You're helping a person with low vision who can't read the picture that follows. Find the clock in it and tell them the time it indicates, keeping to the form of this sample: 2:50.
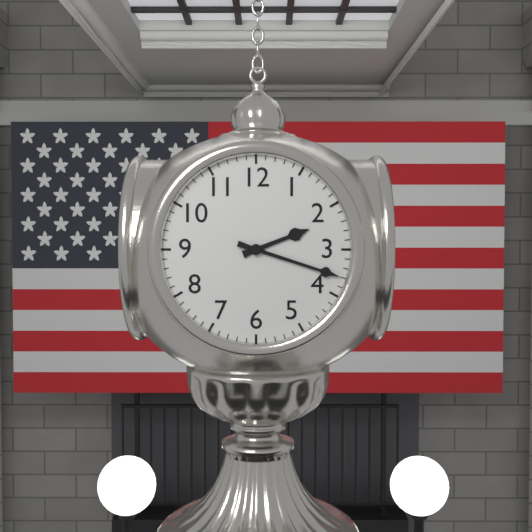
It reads 2:18
